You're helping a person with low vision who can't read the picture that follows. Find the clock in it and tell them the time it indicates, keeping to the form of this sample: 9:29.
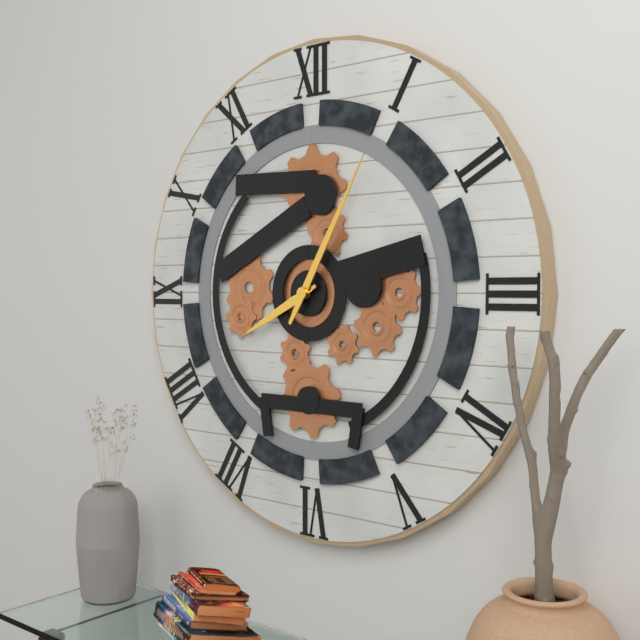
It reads 8:05
